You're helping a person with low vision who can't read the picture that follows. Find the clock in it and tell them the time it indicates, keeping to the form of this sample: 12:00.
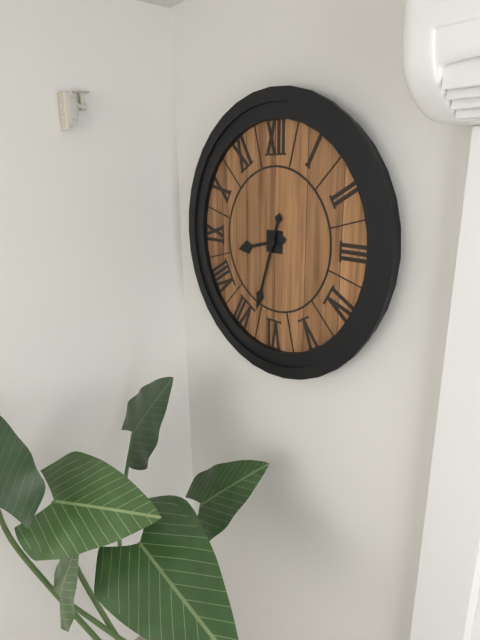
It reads 8:33
